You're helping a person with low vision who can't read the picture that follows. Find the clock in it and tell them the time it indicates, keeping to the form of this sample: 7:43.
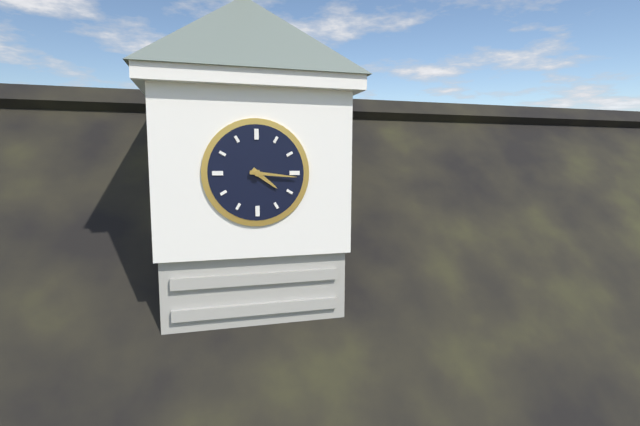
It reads 4:16
